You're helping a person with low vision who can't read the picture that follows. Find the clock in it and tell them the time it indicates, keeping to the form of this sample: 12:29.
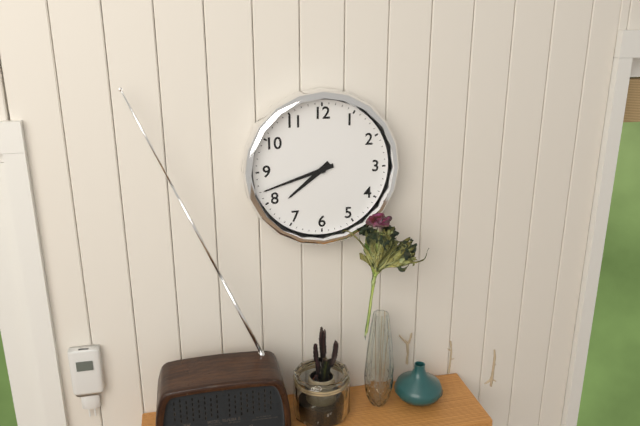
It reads 7:42
